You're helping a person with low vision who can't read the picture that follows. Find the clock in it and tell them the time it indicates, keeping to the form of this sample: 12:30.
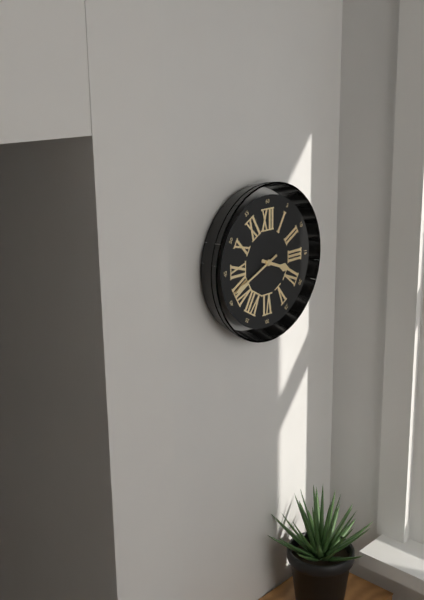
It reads 3:41
